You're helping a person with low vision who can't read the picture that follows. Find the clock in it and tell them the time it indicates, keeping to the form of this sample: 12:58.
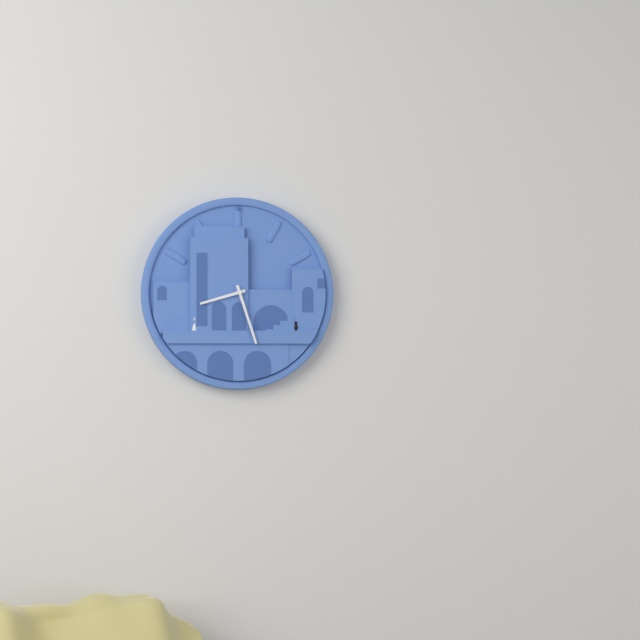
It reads 8:27
